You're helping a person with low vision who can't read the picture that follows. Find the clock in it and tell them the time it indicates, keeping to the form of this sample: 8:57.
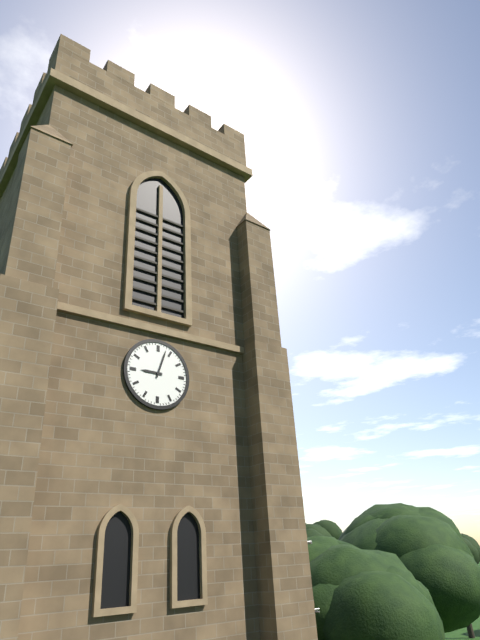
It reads 9:03
